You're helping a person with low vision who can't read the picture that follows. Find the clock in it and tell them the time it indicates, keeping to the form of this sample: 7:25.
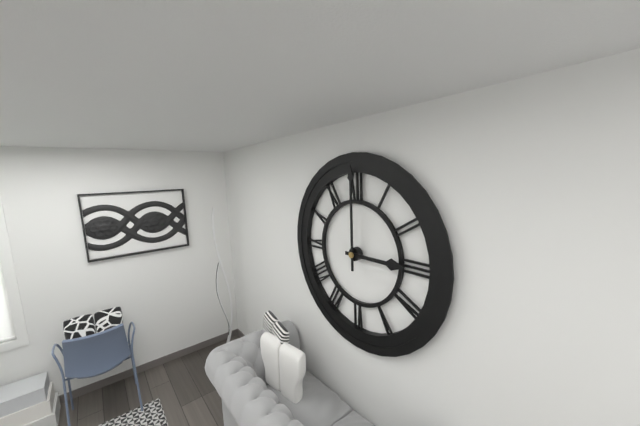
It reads 3:00
